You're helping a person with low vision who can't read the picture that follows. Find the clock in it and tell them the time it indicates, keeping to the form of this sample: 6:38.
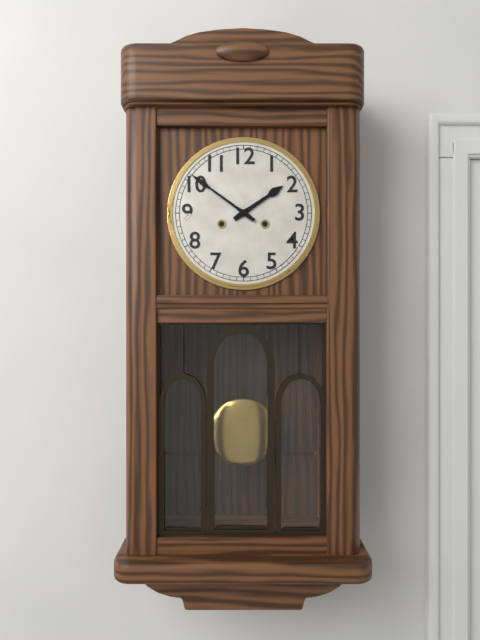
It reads 1:51
